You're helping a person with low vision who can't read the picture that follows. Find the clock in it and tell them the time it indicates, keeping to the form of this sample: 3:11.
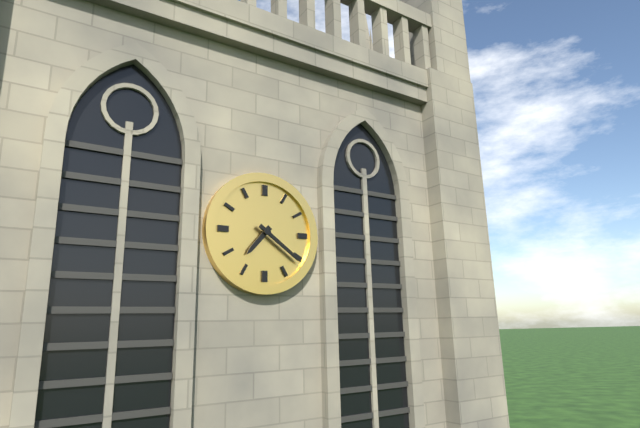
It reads 7:21
